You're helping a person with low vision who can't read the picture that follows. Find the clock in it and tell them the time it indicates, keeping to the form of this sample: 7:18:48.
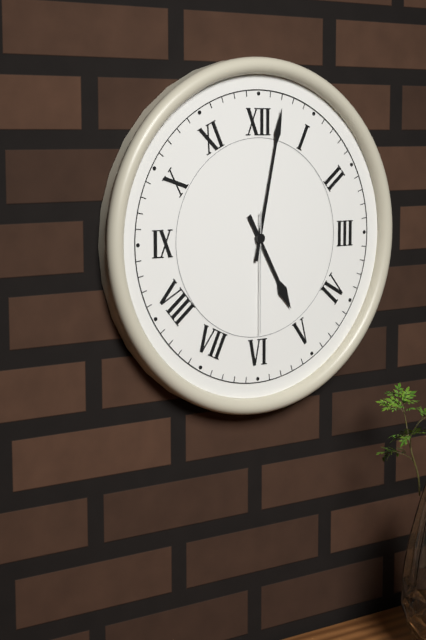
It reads 5:02:30
